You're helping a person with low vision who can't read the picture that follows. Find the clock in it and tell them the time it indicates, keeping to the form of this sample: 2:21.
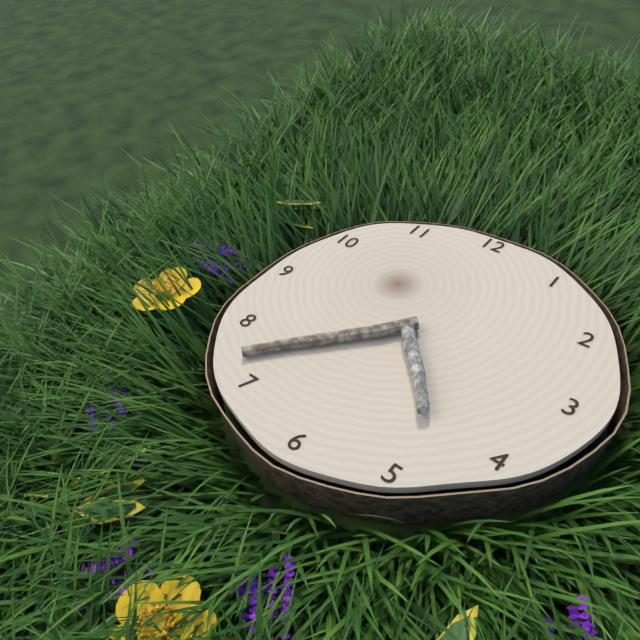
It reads 4:37
